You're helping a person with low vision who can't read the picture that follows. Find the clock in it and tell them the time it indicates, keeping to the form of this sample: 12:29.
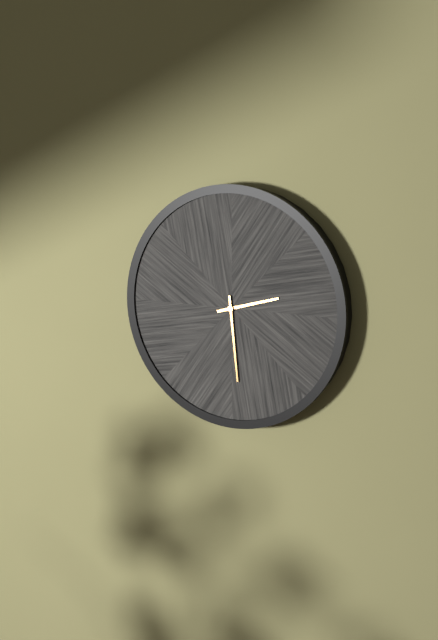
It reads 2:29
